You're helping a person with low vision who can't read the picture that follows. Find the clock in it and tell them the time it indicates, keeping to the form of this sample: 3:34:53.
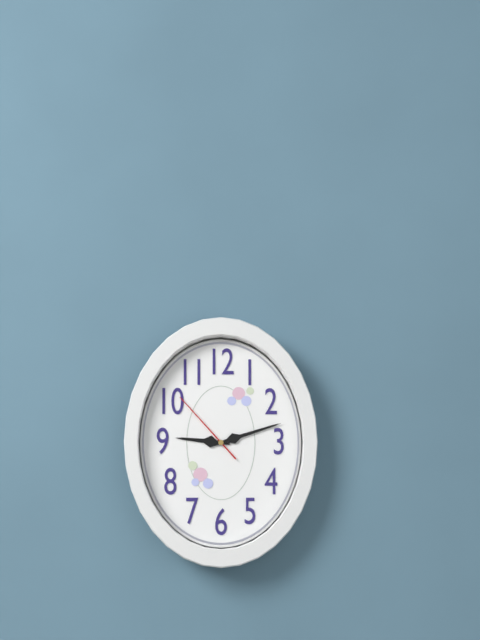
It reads 9:12:53
